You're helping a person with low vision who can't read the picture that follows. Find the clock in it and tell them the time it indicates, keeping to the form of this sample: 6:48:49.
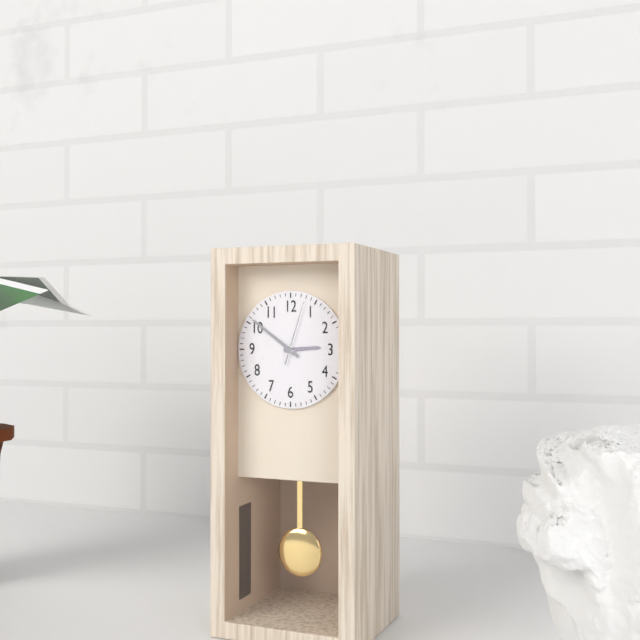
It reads 2:51:03
